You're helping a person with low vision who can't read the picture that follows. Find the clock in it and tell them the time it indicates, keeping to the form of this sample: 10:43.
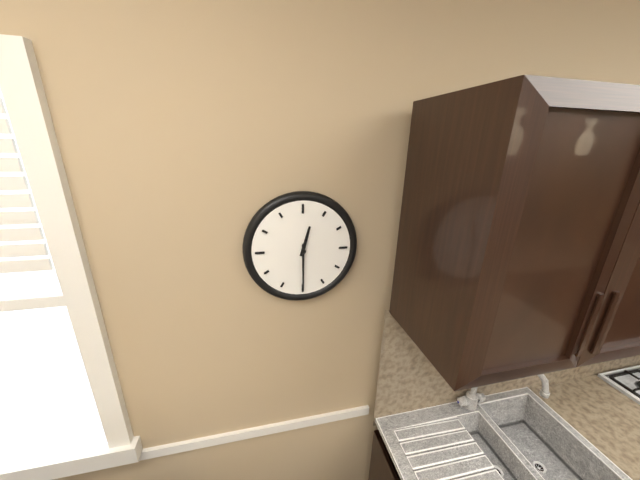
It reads 12:30
